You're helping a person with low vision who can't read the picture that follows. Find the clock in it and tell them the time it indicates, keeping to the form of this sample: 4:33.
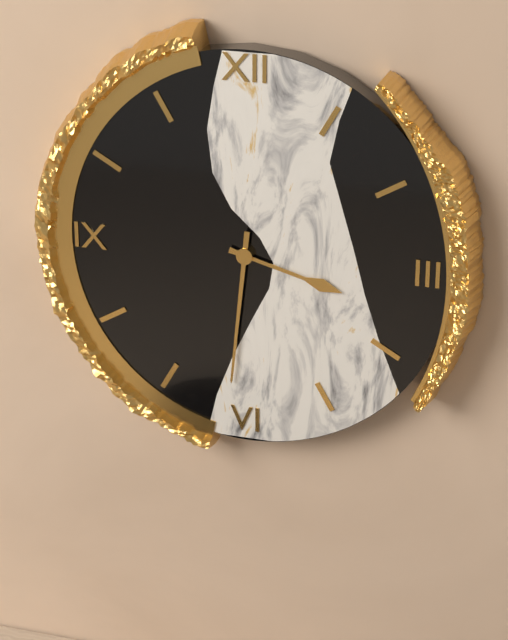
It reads 3:31
